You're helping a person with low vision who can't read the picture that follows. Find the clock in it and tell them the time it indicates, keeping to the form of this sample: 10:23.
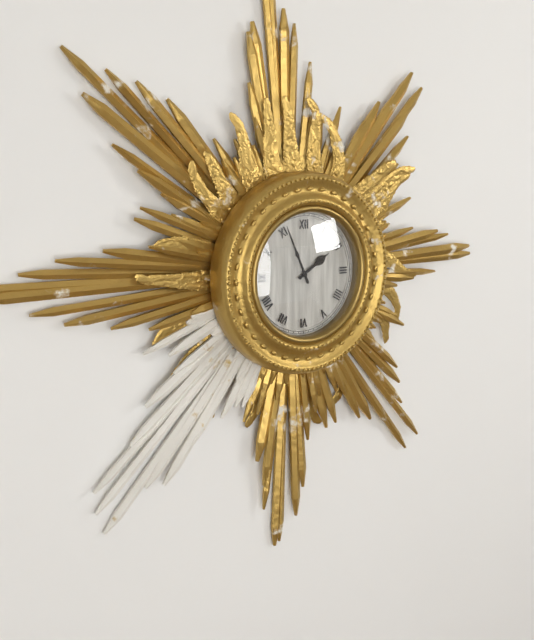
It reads 1:56
